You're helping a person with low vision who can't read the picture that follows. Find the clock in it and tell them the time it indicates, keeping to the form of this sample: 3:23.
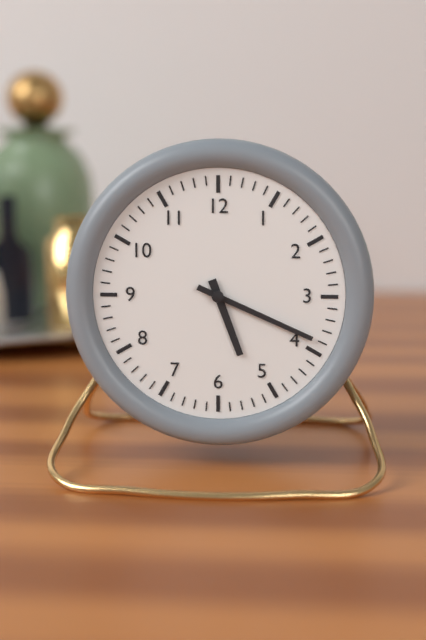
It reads 5:19
